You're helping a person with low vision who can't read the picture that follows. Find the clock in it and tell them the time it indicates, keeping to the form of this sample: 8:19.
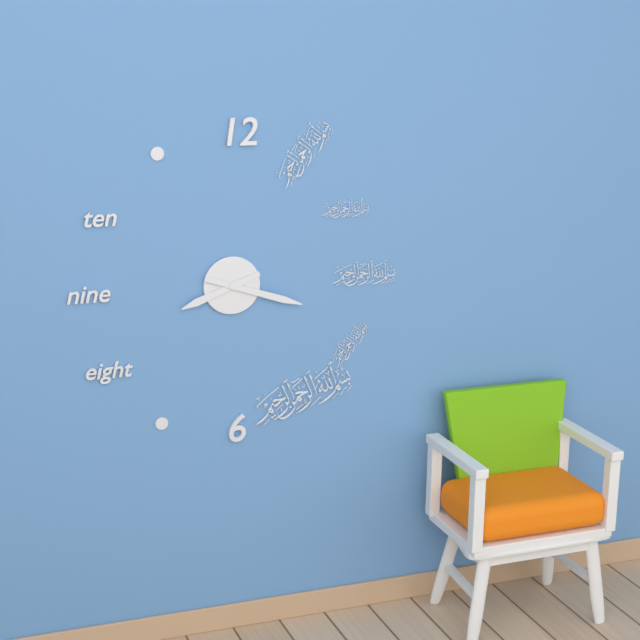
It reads 8:18
